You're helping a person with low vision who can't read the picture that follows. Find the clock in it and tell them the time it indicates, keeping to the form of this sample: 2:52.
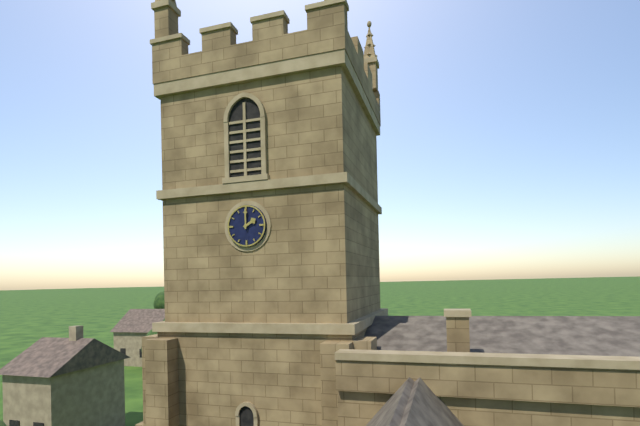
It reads 2:00
